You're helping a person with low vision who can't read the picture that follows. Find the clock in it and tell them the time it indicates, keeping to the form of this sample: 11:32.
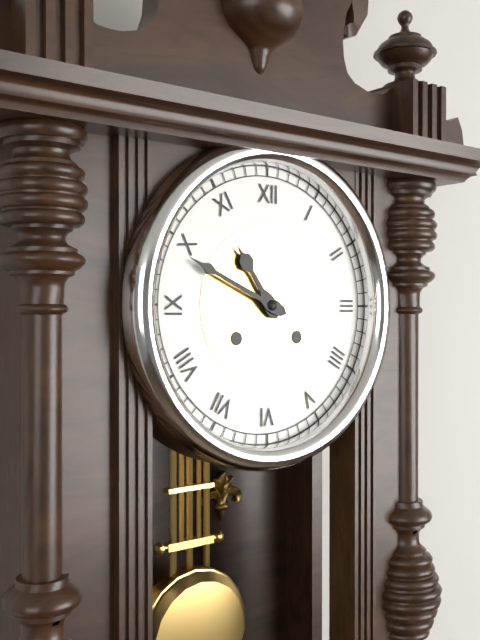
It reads 10:49
